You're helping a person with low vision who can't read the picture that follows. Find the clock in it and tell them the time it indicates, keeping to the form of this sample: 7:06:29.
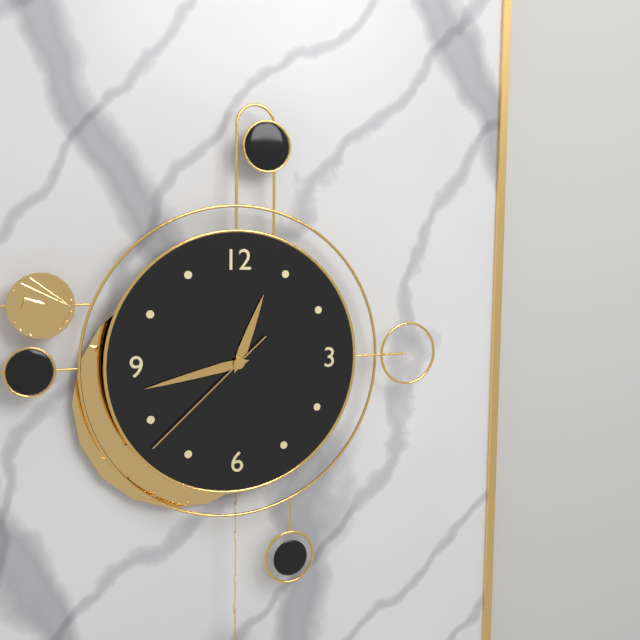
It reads 12:43:38
